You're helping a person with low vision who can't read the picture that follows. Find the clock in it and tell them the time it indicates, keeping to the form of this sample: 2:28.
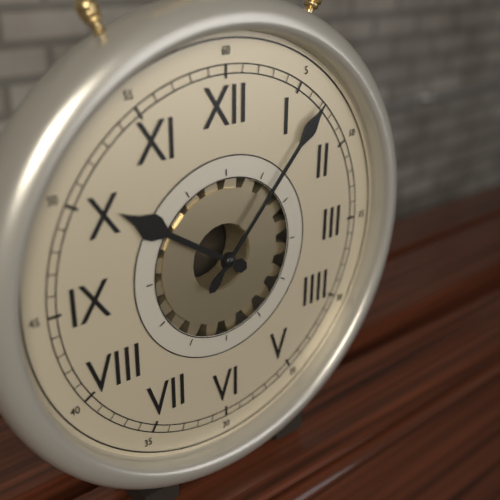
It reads 10:07
